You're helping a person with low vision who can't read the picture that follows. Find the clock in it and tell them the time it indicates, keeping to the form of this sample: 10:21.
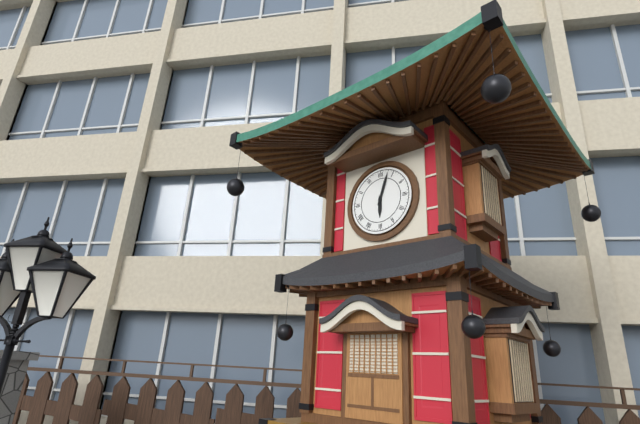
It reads 6:03
